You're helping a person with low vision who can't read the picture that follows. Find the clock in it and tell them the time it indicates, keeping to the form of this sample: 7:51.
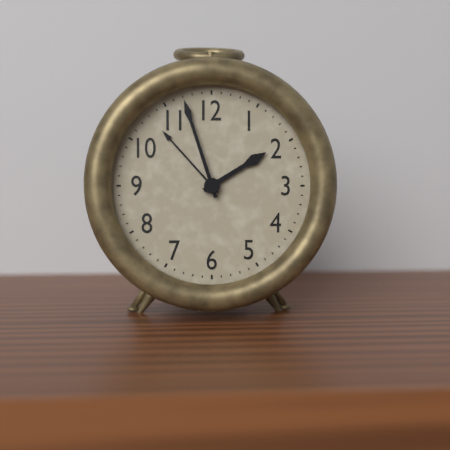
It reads 1:57
